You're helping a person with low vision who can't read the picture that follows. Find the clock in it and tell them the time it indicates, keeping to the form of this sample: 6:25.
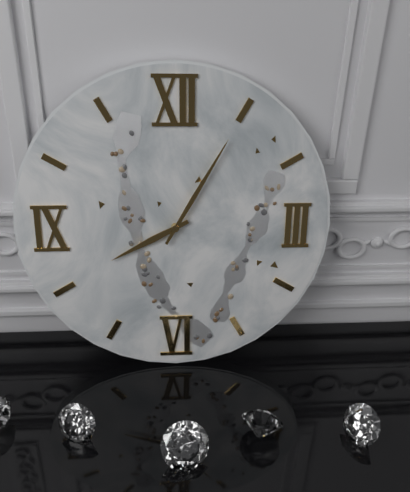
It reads 8:05
